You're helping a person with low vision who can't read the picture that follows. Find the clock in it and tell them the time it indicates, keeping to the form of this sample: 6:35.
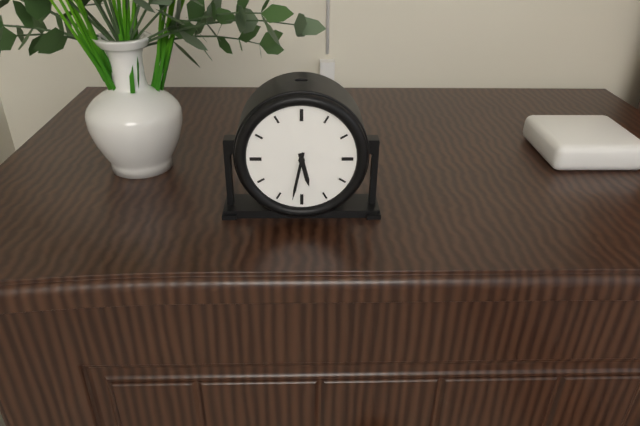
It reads 5:32
